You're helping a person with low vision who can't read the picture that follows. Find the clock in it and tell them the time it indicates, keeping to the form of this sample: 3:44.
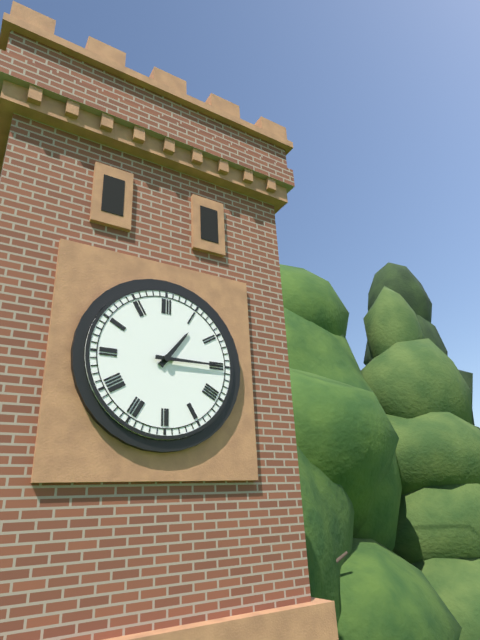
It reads 1:15
